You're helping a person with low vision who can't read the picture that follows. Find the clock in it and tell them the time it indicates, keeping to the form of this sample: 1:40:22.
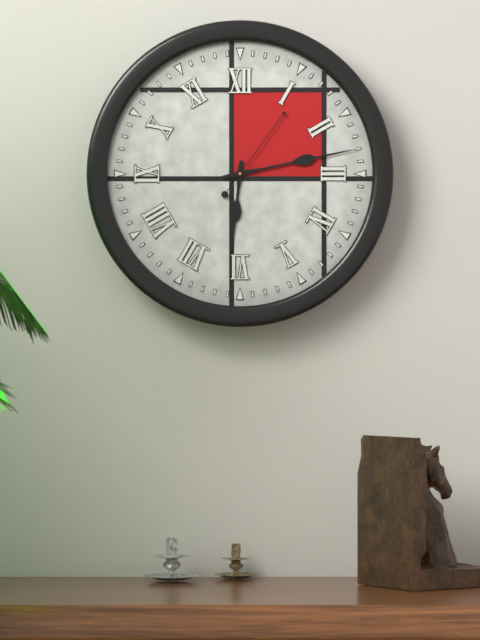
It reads 6:13:06
